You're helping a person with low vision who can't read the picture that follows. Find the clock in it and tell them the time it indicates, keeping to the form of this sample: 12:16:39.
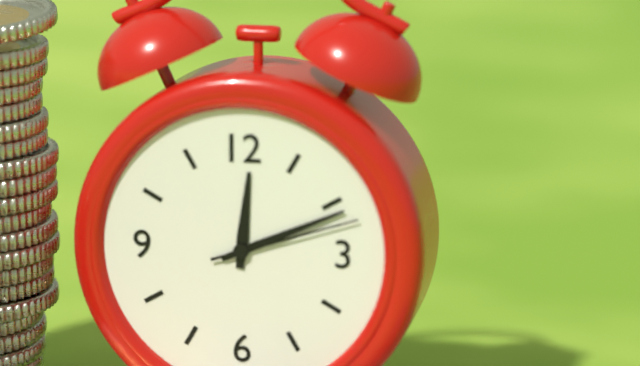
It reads 12:11:12
